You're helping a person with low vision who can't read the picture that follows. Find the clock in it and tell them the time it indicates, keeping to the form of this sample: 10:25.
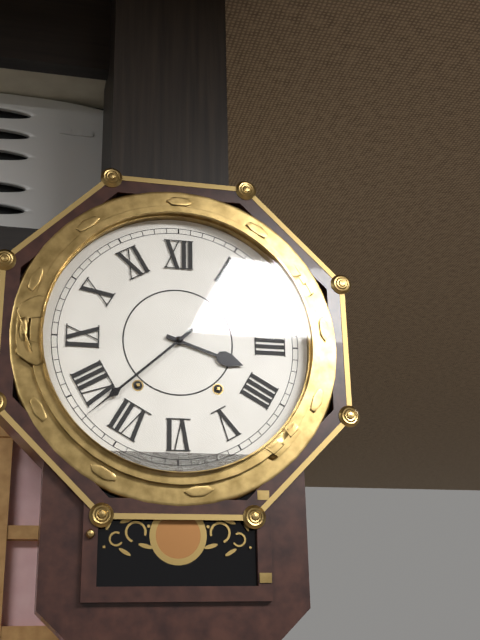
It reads 3:38
